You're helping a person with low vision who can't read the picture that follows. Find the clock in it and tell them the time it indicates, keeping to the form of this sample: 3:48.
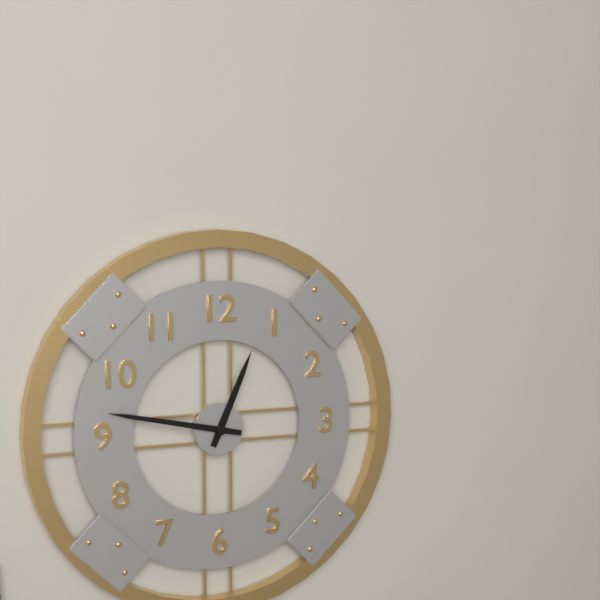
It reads 12:47
